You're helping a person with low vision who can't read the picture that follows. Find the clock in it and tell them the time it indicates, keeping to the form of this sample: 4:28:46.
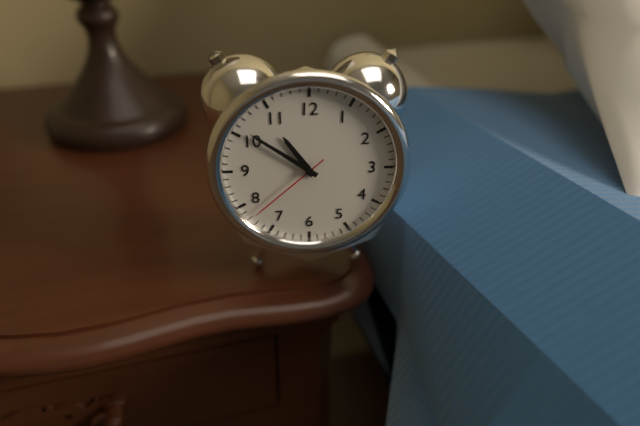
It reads 10:51:38
